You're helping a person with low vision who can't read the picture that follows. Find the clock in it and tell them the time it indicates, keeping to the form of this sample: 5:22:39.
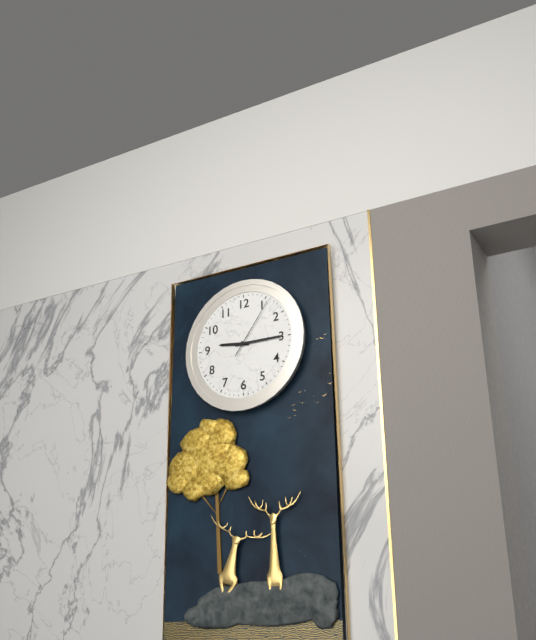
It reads 9:15:06
